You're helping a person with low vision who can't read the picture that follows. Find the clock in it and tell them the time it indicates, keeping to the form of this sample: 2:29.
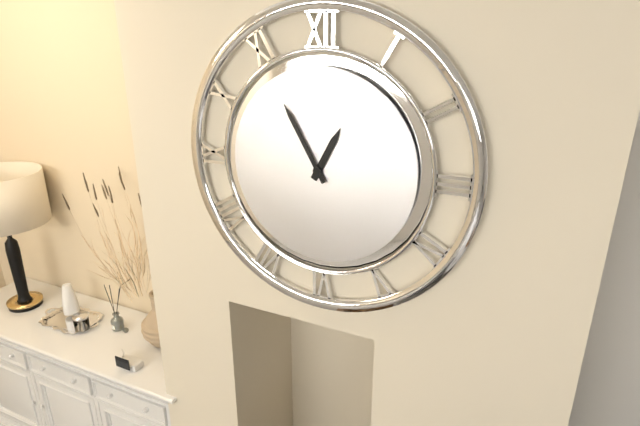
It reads 12:55
